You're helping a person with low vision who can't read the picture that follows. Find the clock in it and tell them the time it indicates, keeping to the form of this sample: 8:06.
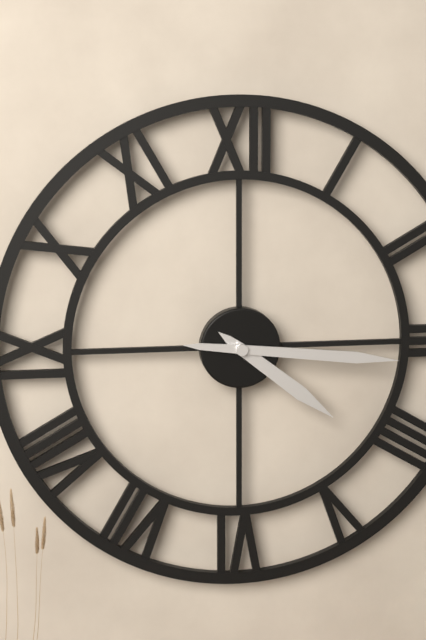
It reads 4:16
